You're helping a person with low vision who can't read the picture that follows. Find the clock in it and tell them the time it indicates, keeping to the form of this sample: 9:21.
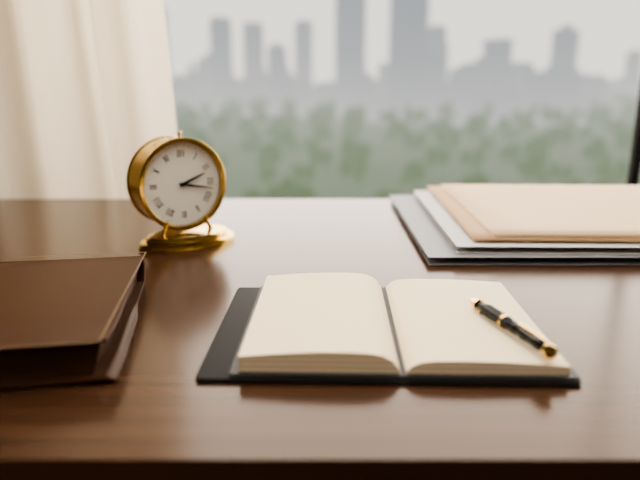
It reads 2:17
